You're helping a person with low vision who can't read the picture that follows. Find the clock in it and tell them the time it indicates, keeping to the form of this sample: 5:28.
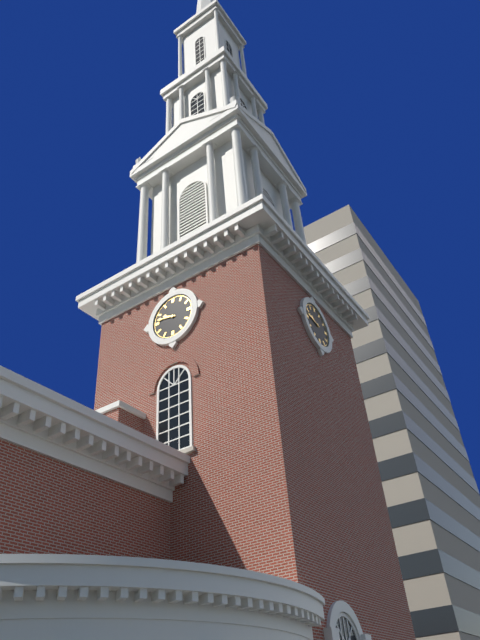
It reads 9:47
